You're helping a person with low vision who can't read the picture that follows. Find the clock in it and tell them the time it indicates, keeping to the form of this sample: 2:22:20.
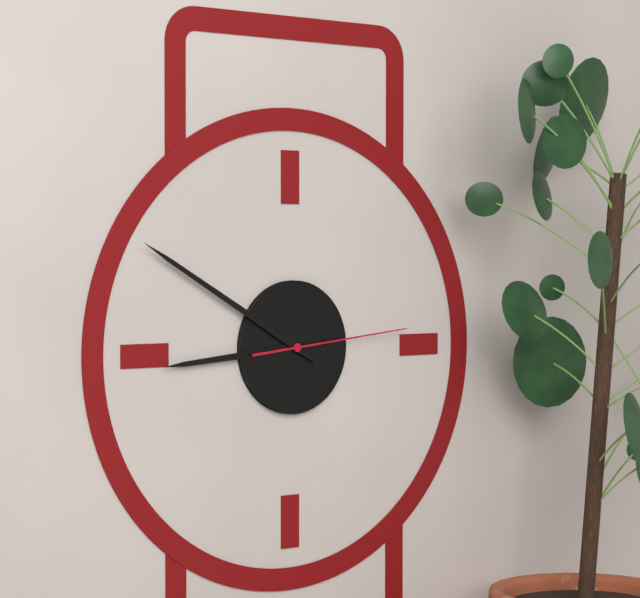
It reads 8:50:14
